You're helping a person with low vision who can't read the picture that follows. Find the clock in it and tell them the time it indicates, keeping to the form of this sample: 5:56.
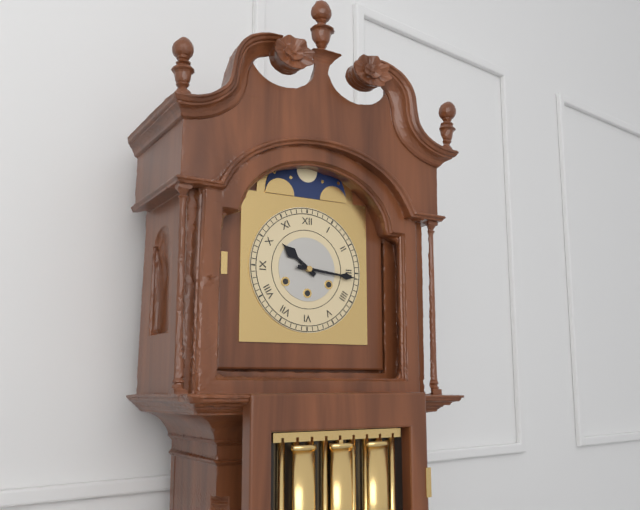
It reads 10:16
